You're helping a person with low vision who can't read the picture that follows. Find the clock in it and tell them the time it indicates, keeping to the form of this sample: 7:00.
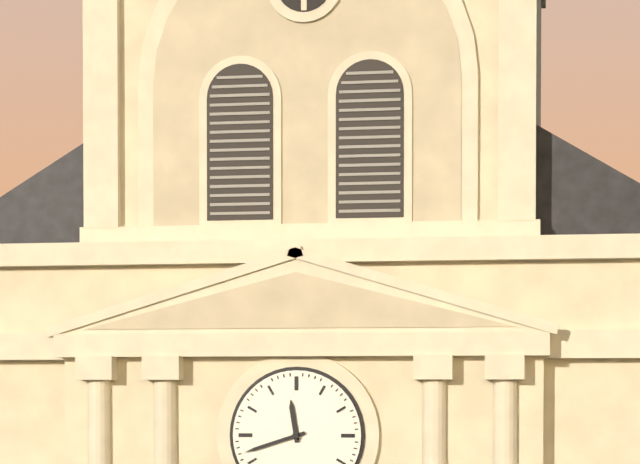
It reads 11:42
